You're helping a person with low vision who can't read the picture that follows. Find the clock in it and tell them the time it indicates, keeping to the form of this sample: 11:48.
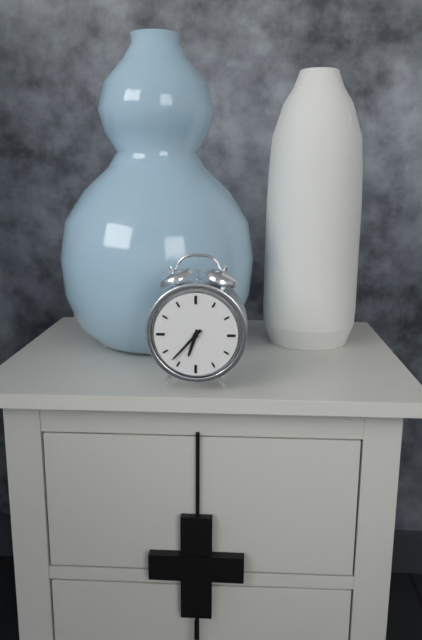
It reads 6:37
